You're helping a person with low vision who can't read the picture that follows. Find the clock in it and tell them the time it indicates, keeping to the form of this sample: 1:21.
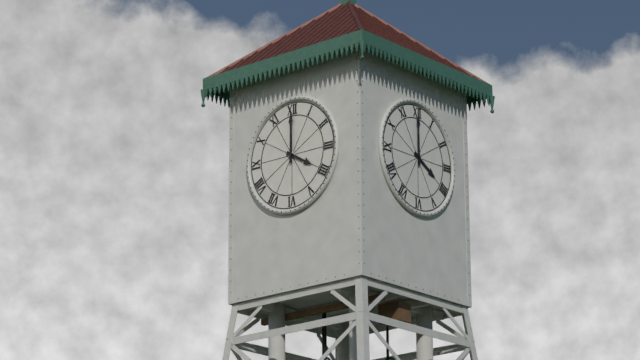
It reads 4:00
